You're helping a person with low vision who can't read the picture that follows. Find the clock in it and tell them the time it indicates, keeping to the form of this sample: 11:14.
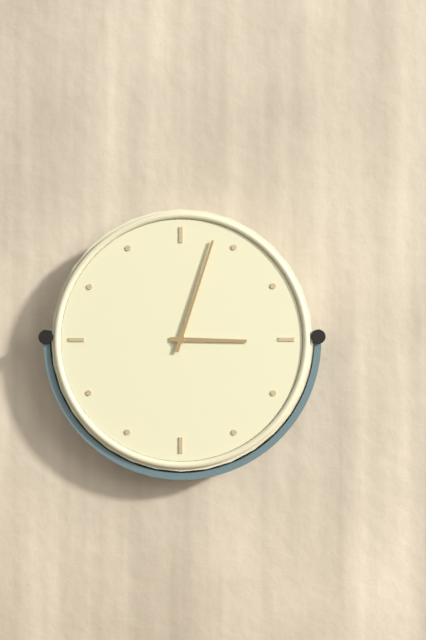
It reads 3:03
